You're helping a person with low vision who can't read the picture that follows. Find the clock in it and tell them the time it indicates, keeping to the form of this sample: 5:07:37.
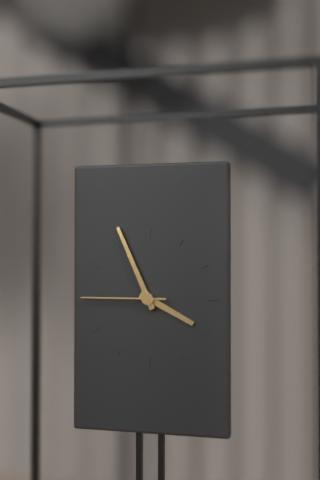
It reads 3:56:45
